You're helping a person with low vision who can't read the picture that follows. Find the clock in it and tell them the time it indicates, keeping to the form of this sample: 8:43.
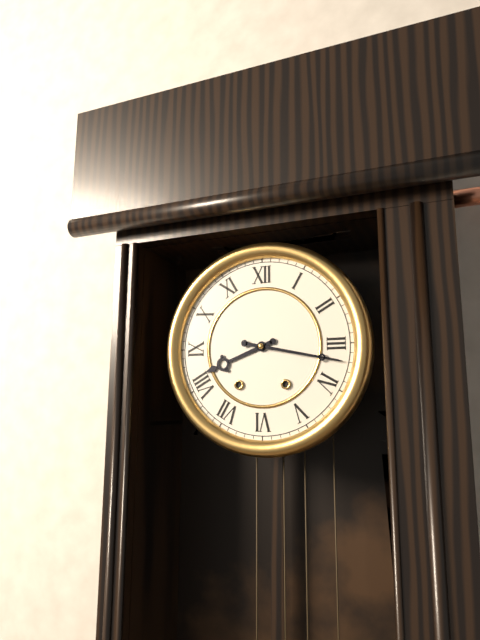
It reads 8:17
